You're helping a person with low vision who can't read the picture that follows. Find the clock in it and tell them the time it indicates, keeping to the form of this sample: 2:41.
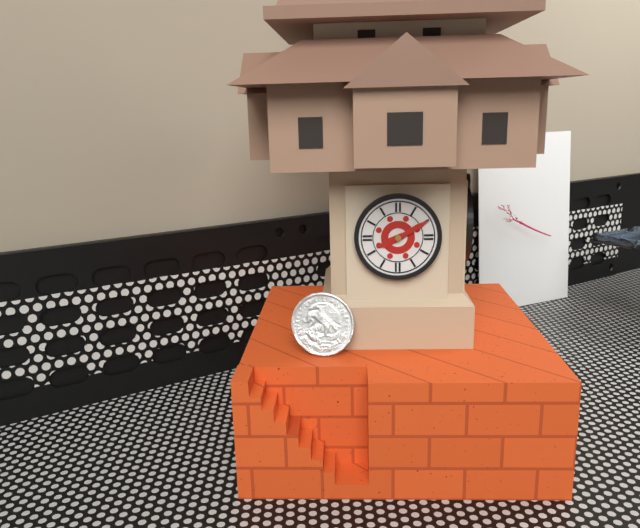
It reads 8:10
